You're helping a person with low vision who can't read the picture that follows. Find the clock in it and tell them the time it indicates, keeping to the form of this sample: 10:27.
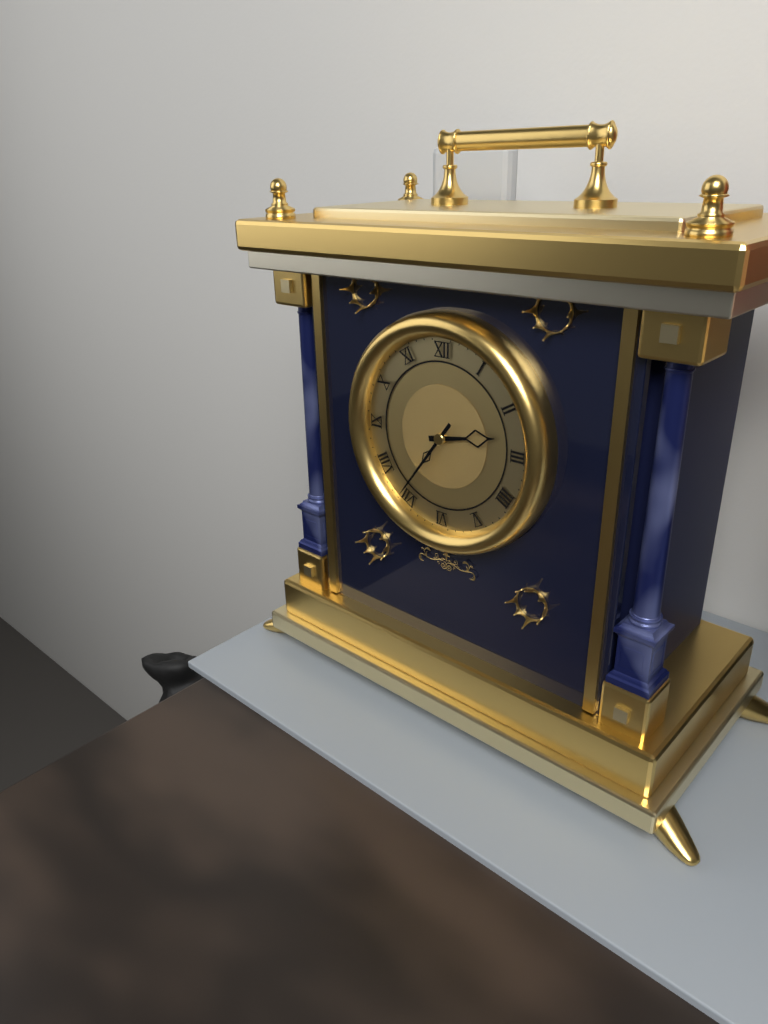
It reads 2:36
